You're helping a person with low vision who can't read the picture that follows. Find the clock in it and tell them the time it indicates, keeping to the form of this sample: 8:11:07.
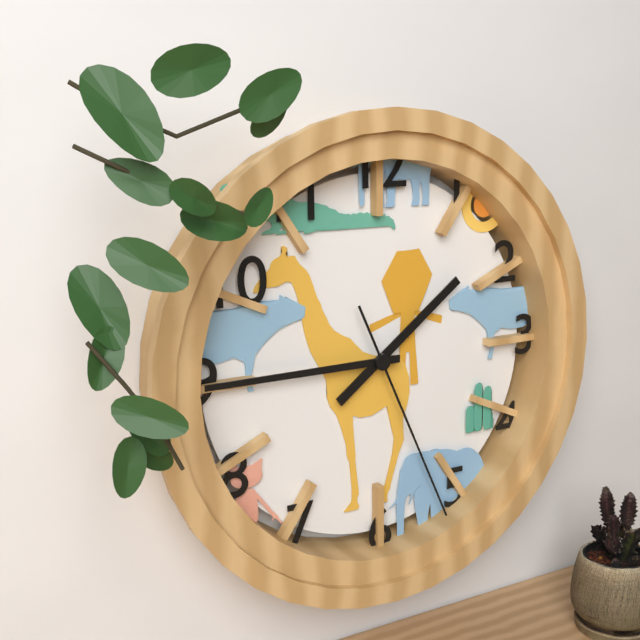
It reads 1:45:26
